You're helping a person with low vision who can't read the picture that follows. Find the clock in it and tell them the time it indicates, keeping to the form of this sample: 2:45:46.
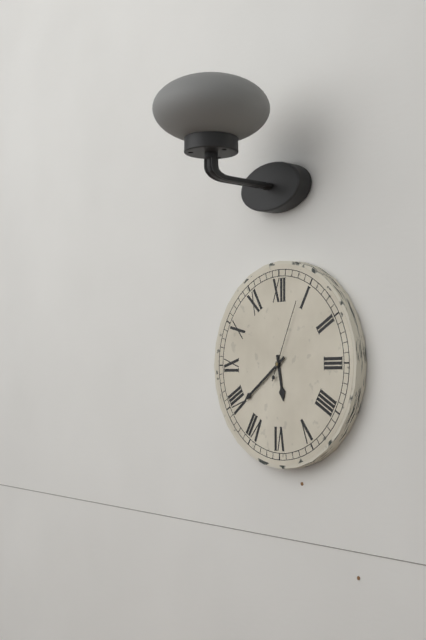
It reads 5:39:04
